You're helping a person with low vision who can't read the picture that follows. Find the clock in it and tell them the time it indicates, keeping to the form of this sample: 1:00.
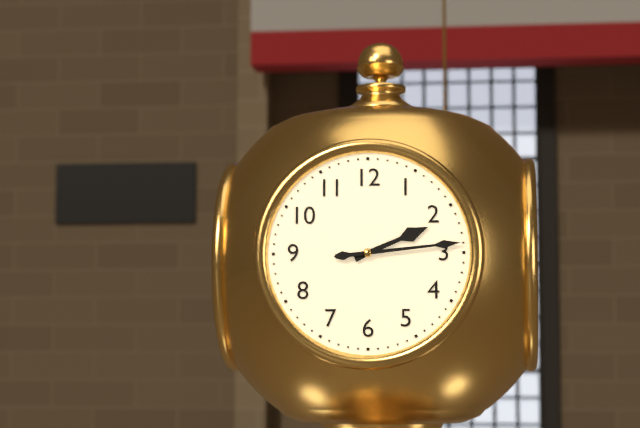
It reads 2:14
